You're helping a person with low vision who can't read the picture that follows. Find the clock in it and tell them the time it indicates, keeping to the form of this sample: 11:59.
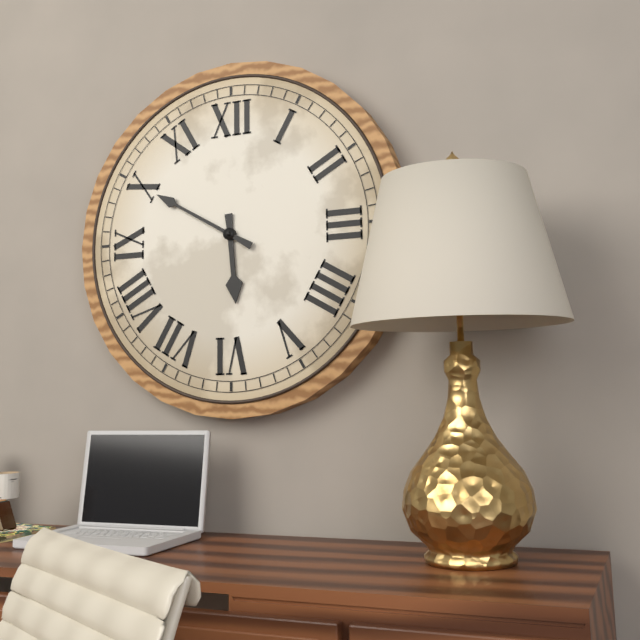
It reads 5:50
